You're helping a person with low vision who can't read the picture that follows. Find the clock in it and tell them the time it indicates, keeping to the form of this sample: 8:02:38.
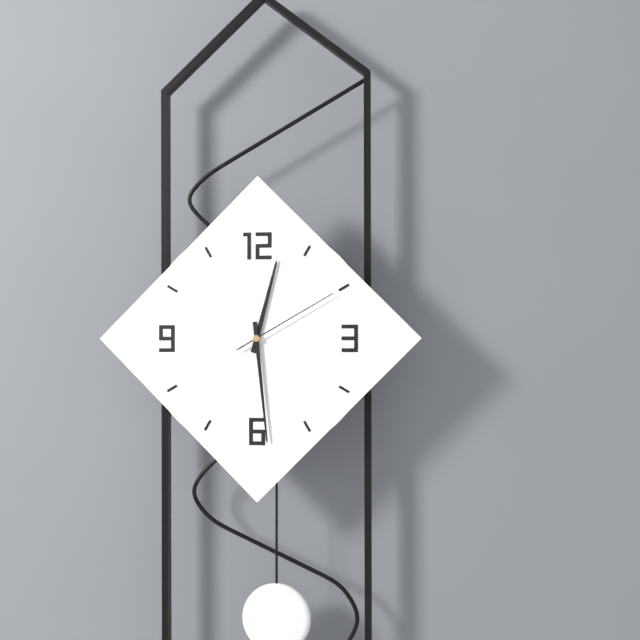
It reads 12:29:10
